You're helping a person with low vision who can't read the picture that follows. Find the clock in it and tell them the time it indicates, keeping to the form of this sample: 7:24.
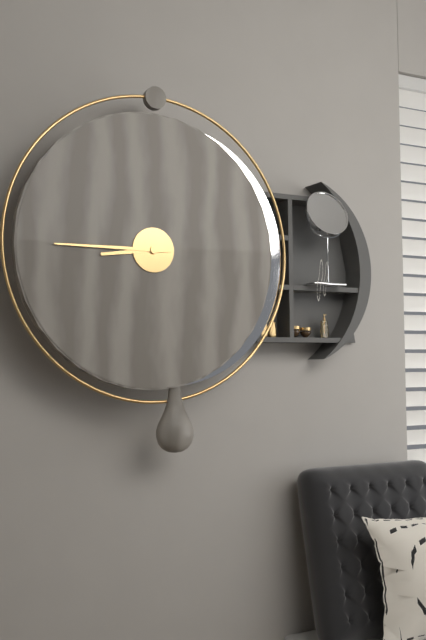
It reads 8:45
